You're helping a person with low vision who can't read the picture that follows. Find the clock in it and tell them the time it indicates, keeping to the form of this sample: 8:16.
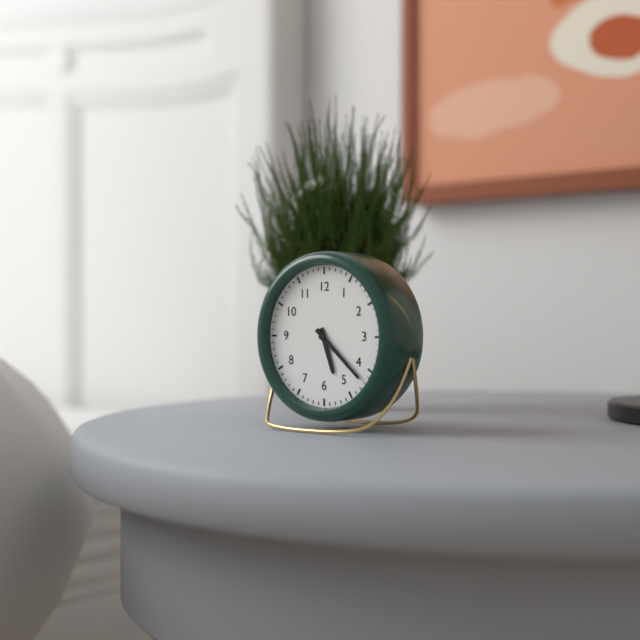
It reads 5:22
